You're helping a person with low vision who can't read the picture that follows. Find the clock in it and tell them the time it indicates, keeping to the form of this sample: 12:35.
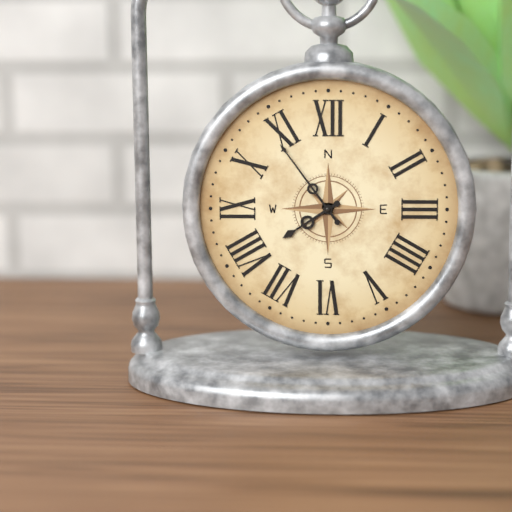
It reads 7:54
